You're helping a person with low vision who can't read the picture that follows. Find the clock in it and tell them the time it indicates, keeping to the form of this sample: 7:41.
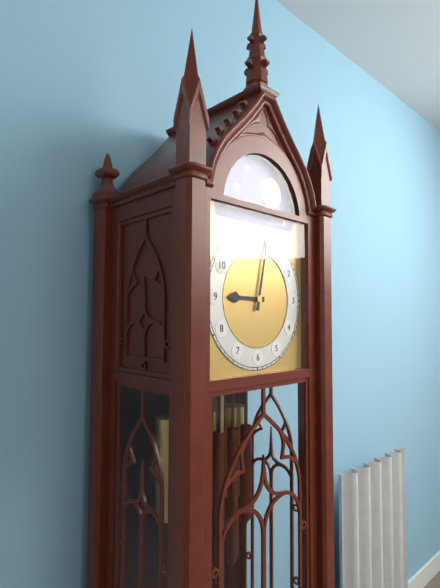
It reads 9:02
